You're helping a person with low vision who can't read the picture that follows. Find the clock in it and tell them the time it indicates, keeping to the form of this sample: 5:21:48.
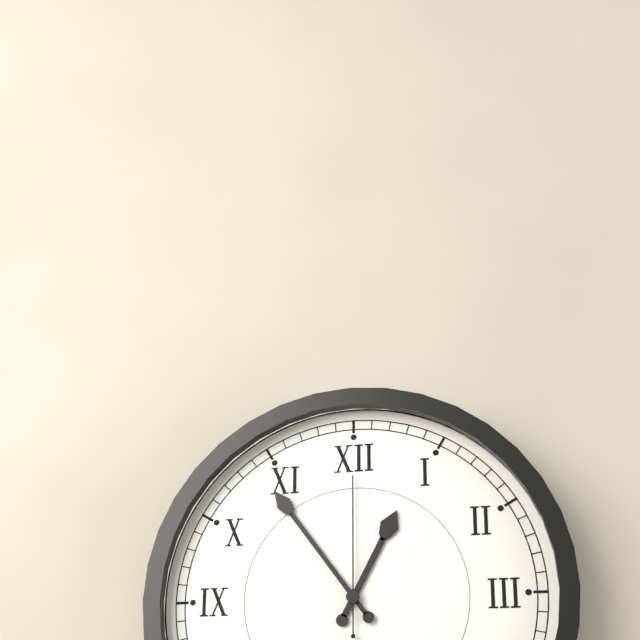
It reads 12:54:00
